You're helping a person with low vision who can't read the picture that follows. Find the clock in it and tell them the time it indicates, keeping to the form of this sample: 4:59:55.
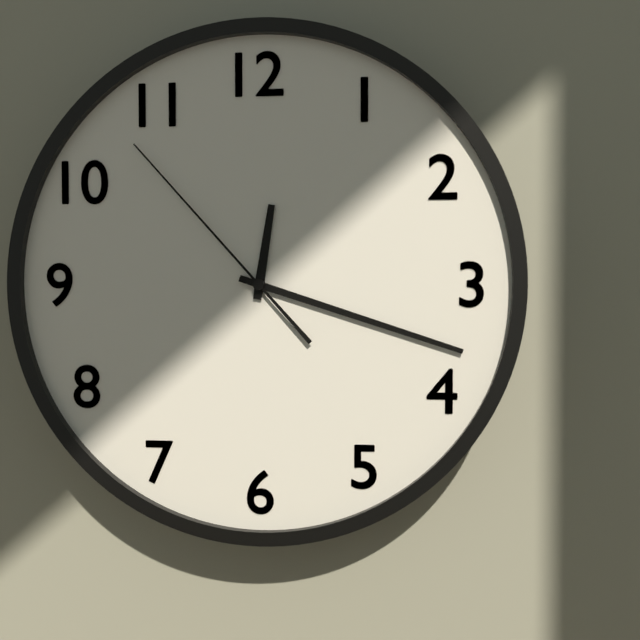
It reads 12:18:53
